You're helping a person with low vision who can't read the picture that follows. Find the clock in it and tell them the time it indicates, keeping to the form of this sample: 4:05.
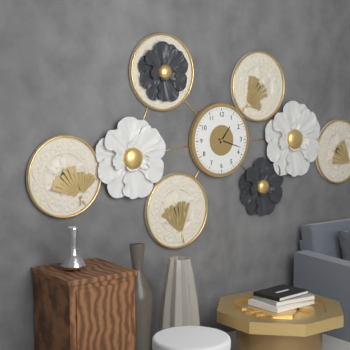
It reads 1:18
